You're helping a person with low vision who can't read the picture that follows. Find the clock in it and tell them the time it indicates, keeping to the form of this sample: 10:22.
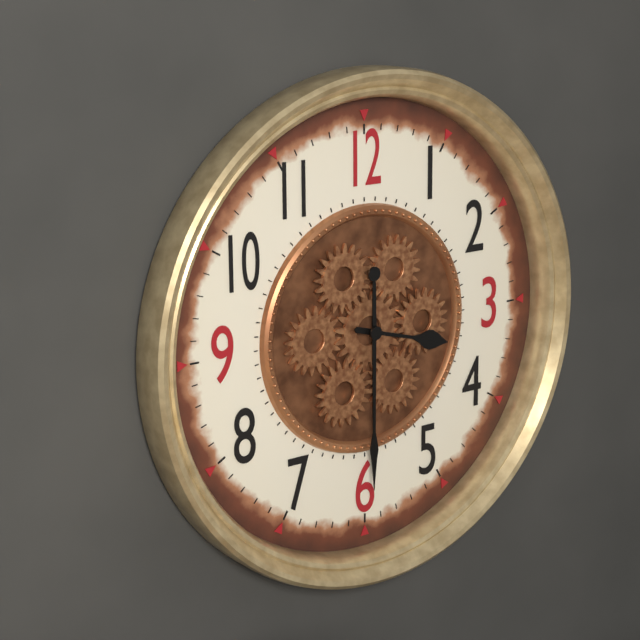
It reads 3:30
